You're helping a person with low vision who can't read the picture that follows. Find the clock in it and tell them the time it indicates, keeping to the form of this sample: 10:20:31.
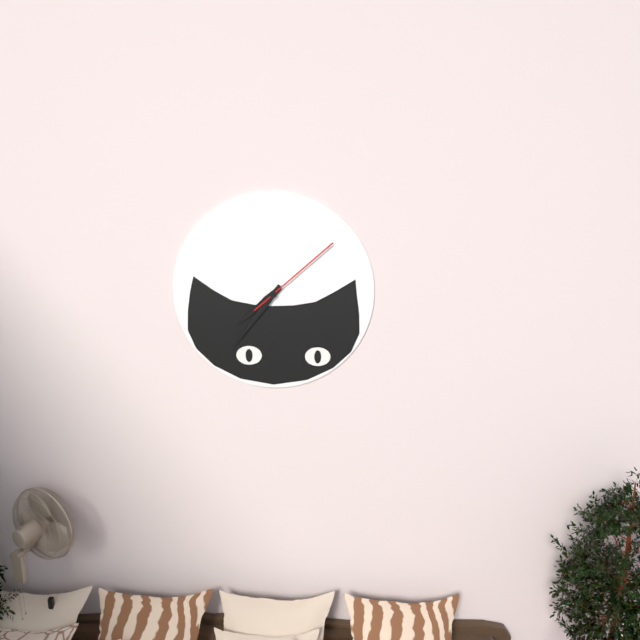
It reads 7:36:08
